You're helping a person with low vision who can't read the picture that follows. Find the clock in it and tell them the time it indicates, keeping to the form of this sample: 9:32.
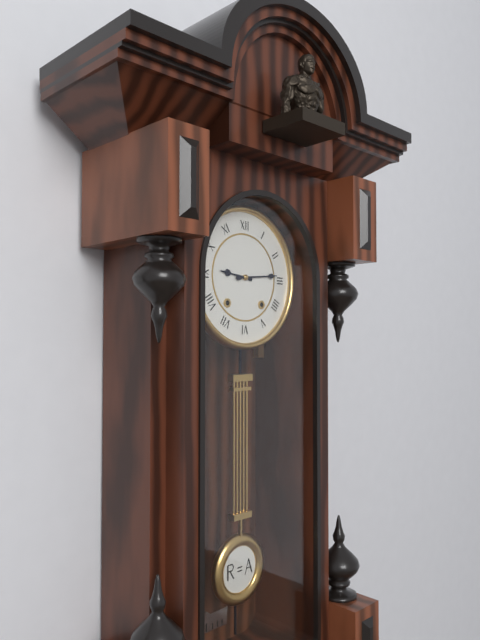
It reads 9:14
